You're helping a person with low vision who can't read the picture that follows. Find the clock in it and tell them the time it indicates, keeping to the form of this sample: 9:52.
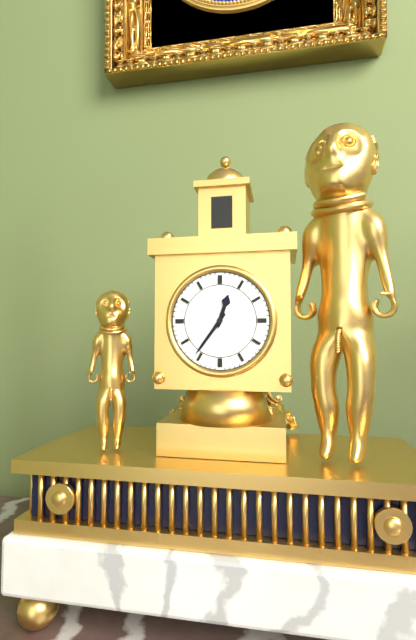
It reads 12:36
